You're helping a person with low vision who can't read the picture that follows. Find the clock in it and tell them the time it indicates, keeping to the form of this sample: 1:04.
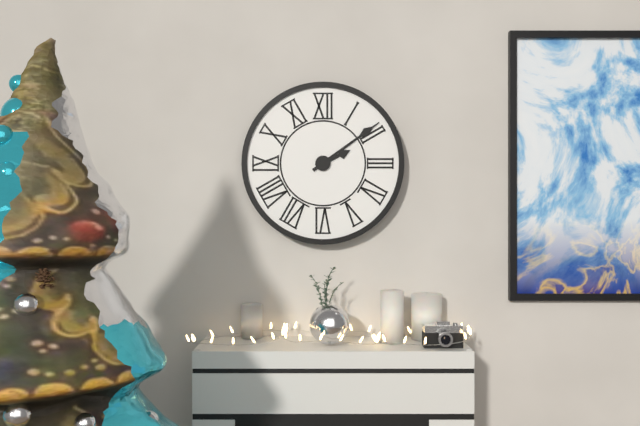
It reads 2:09
